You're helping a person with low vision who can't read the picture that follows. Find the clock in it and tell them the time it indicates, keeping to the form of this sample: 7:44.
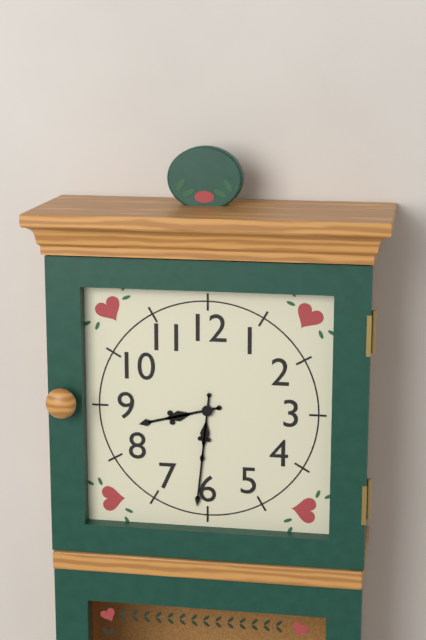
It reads 8:31
